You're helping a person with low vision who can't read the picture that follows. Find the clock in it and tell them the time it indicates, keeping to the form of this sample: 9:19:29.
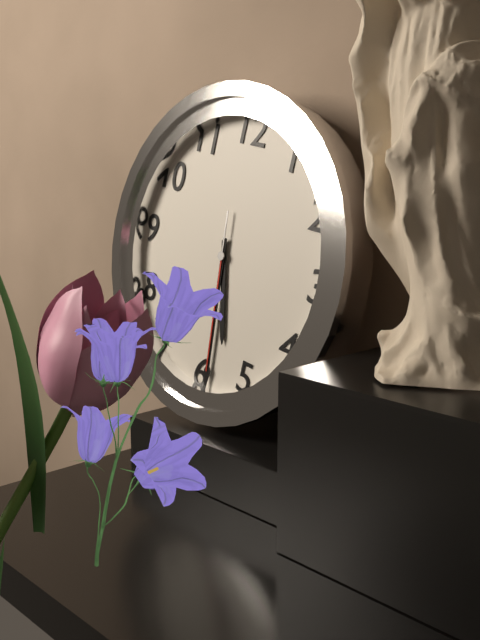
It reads 5:29:29
